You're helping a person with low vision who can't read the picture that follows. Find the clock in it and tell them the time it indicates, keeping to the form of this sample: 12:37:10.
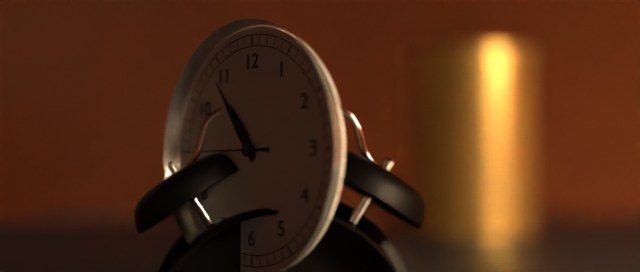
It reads 10:54:45
